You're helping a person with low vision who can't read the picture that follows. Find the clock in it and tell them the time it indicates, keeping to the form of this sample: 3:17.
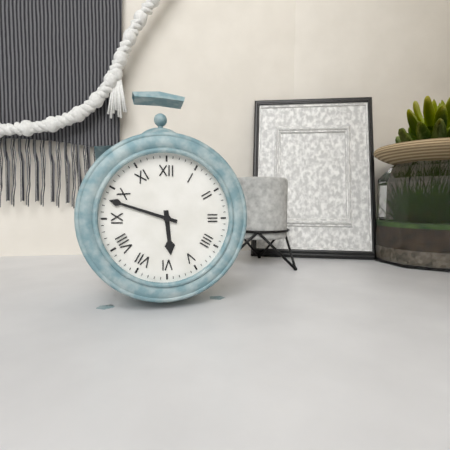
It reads 5:48
